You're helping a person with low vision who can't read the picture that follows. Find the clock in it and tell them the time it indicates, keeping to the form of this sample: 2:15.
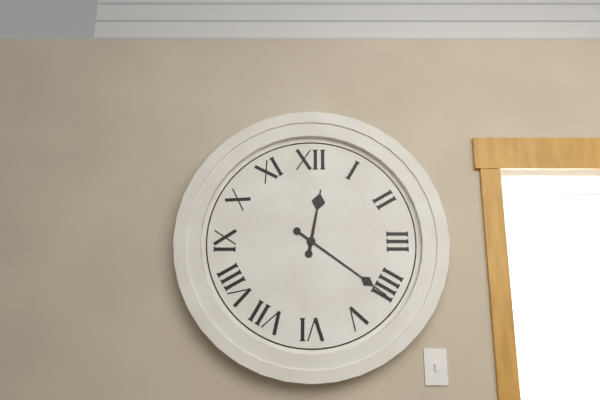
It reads 12:21
